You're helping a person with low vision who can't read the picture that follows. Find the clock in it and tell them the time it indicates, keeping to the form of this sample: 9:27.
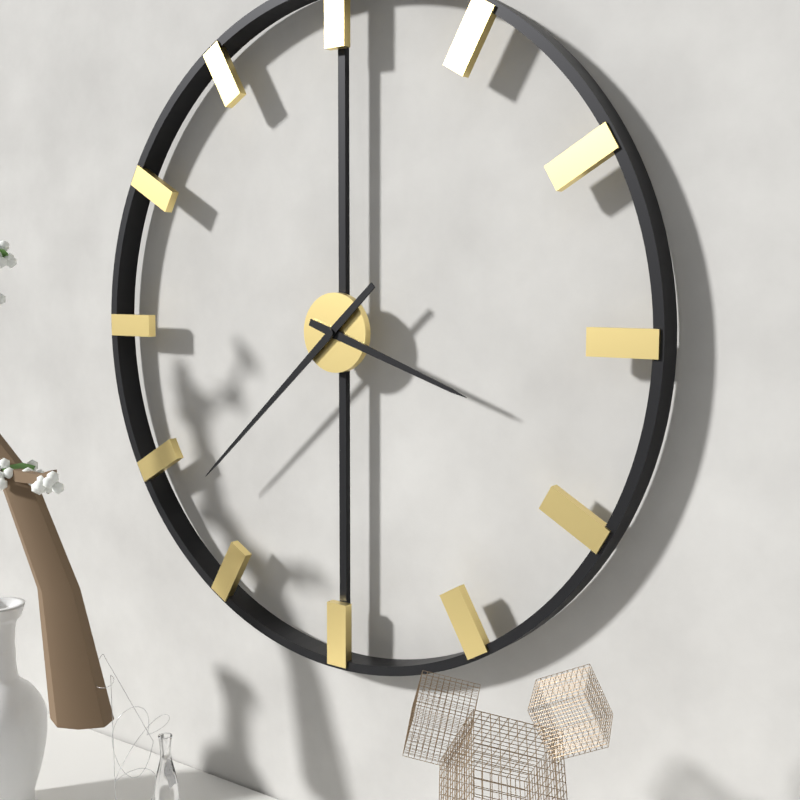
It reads 3:38
